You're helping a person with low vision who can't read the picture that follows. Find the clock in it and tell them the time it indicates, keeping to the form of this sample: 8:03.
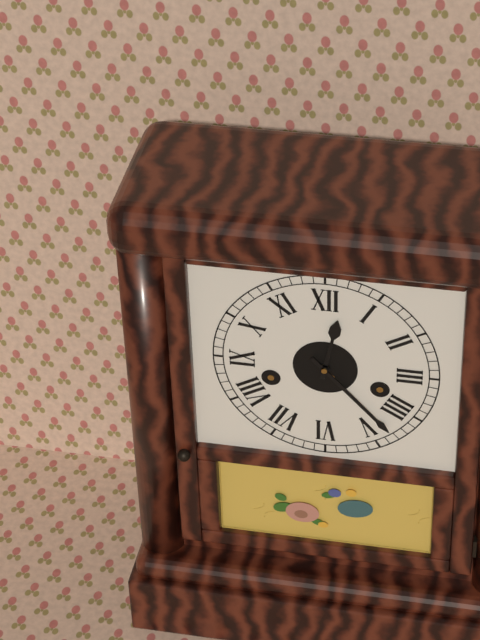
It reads 12:23
